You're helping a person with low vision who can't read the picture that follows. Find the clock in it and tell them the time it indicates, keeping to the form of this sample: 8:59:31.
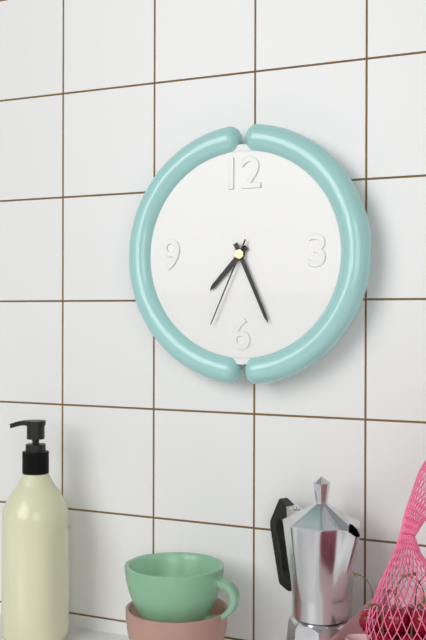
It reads 7:26:34
